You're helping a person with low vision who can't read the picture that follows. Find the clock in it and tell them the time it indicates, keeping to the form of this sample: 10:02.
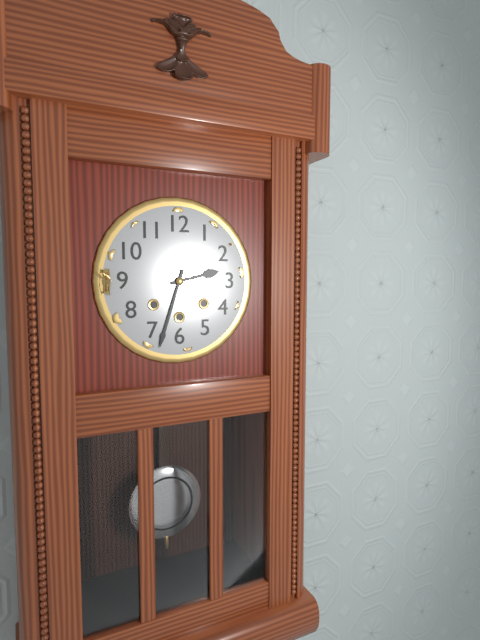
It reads 2:33
